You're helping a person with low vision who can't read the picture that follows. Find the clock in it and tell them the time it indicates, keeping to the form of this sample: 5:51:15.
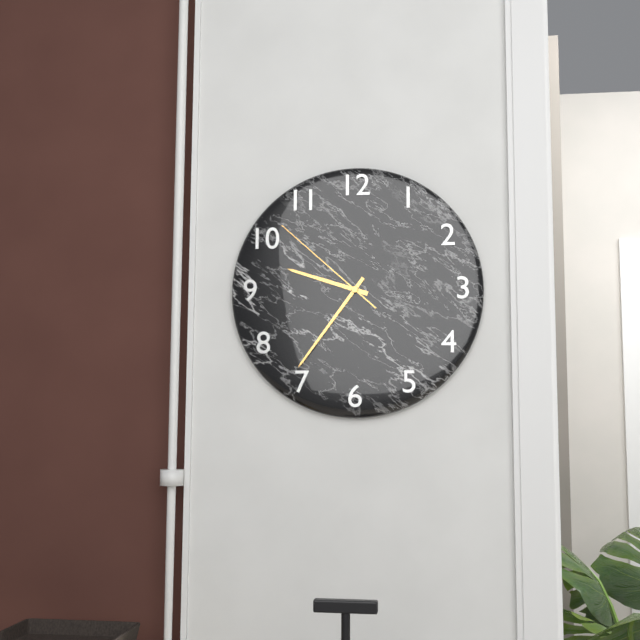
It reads 9:36:52
